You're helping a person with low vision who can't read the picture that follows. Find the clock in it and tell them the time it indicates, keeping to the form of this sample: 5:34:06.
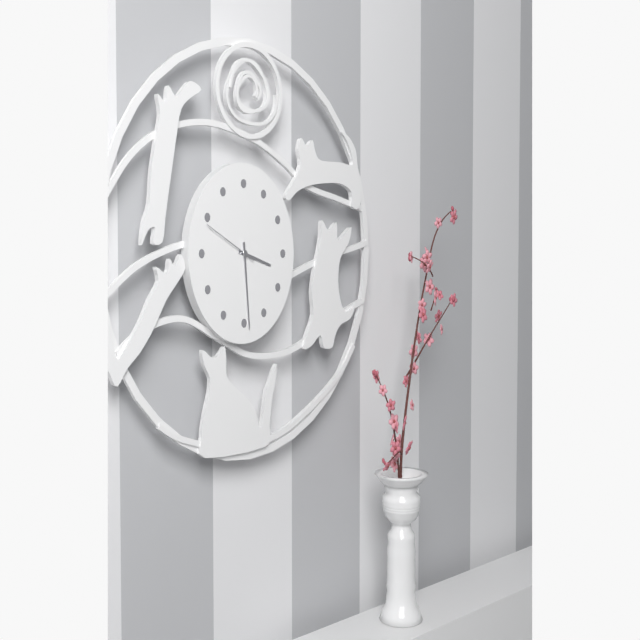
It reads 3:29:49
